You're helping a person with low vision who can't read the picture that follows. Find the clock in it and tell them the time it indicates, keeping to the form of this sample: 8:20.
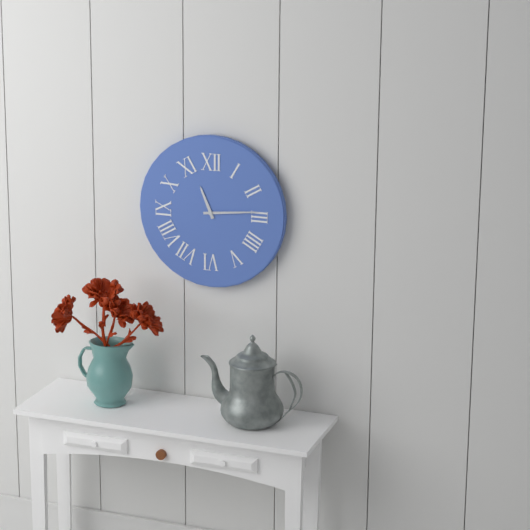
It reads 11:14
